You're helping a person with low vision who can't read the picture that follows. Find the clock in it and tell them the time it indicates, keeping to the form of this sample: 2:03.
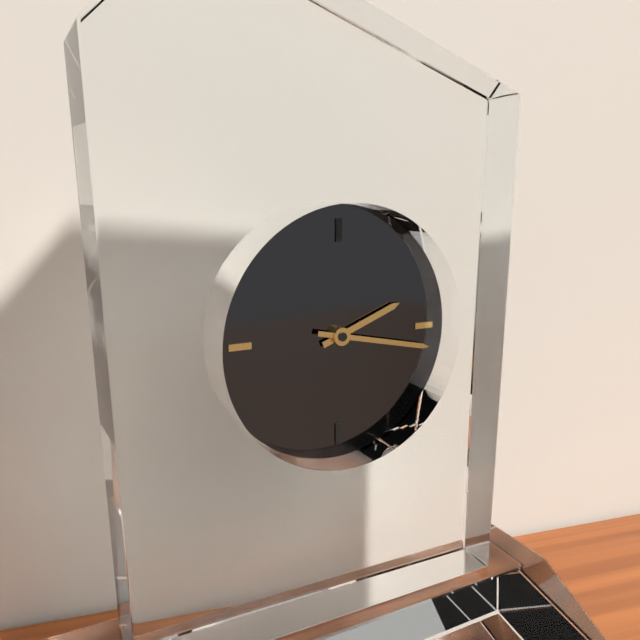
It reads 2:17
